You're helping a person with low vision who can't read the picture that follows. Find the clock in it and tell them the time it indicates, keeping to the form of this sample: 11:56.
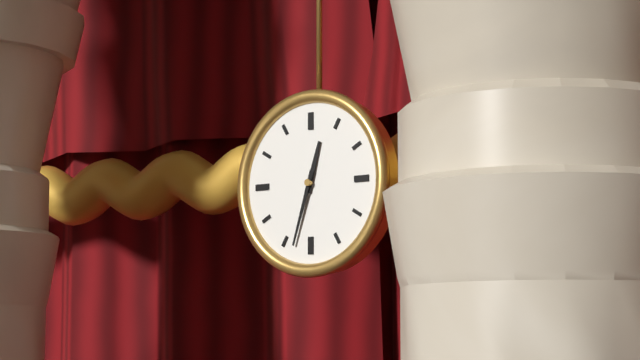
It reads 12:33
